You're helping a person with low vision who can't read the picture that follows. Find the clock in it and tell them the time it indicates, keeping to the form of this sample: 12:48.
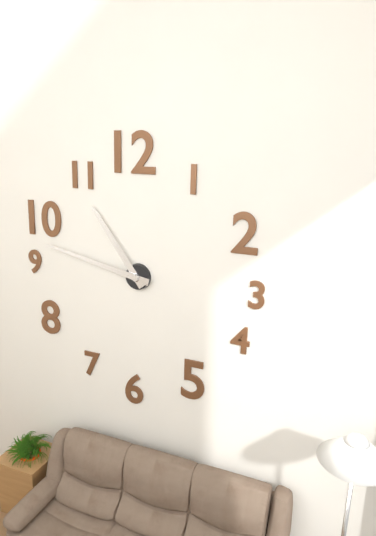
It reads 10:47
